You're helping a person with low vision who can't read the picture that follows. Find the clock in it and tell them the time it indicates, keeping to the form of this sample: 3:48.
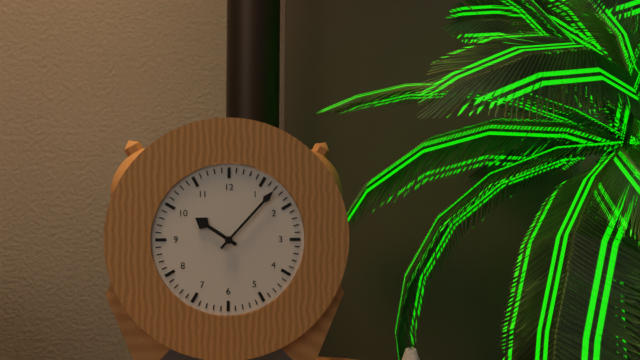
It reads 10:07
